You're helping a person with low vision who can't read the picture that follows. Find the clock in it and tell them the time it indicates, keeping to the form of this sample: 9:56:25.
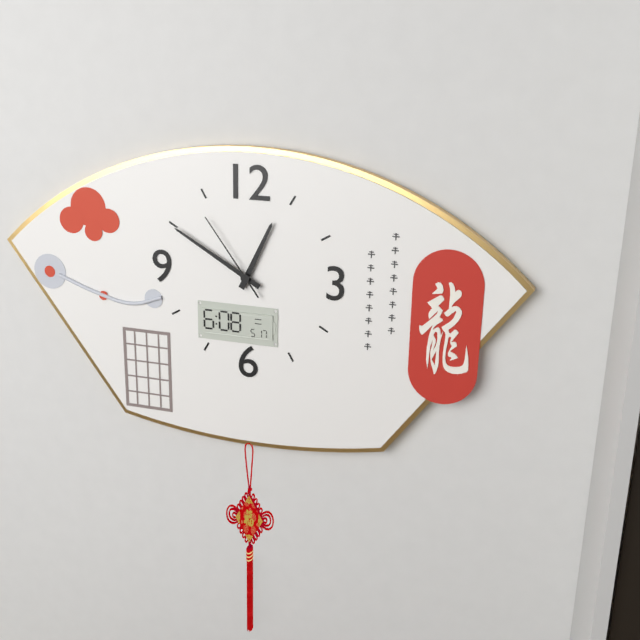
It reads 12:50:54
